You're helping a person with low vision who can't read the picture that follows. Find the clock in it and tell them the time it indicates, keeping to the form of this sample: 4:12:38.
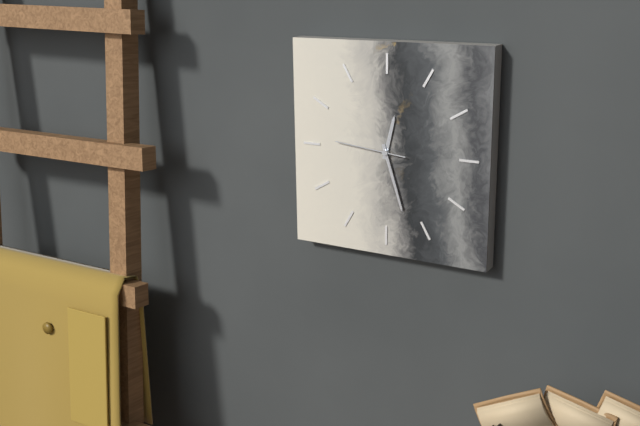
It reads 12:27:46
